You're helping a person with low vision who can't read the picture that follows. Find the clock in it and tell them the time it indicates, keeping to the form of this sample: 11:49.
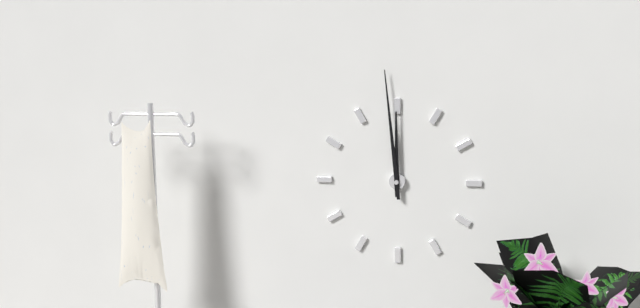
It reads 11:59
